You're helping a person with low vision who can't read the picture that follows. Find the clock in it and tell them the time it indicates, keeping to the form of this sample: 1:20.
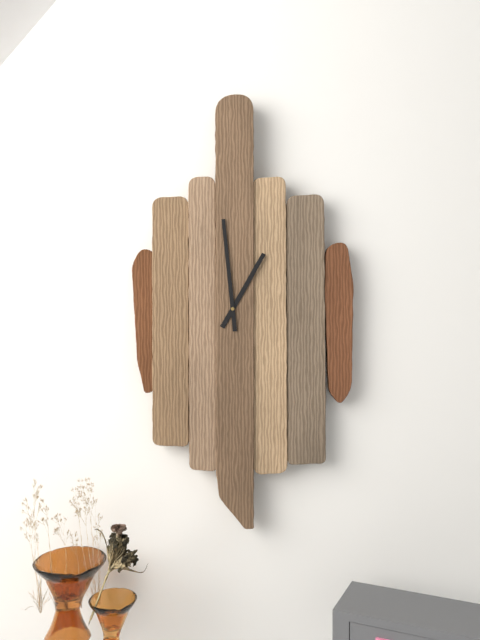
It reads 12:59
